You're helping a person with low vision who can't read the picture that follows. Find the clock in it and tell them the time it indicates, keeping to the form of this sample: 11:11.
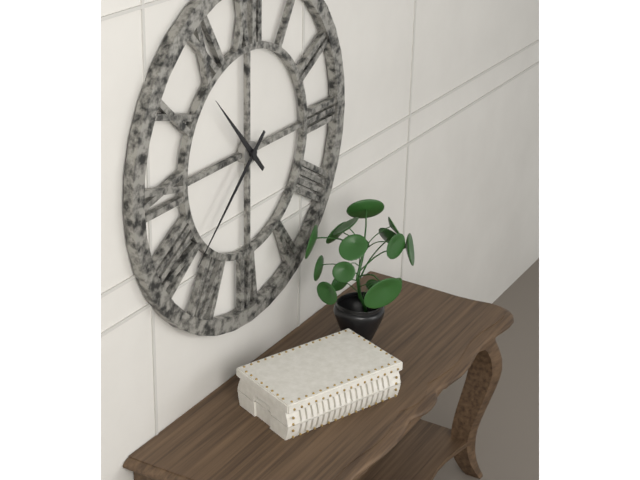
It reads 10:38
